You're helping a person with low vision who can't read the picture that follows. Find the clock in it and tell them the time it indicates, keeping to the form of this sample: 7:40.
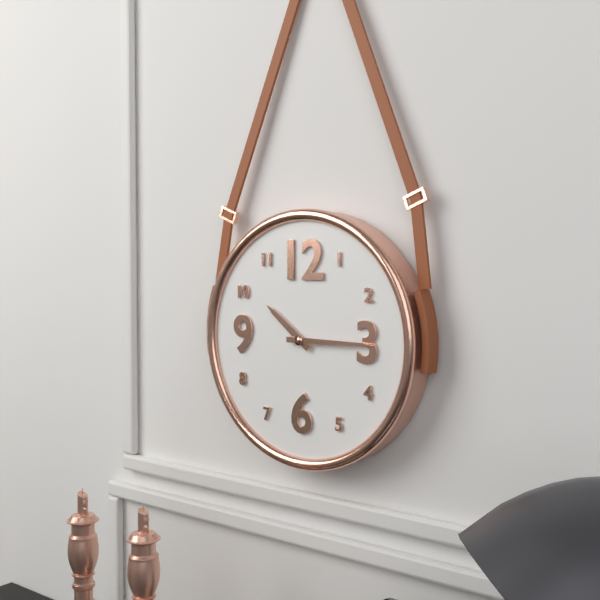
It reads 10:15
